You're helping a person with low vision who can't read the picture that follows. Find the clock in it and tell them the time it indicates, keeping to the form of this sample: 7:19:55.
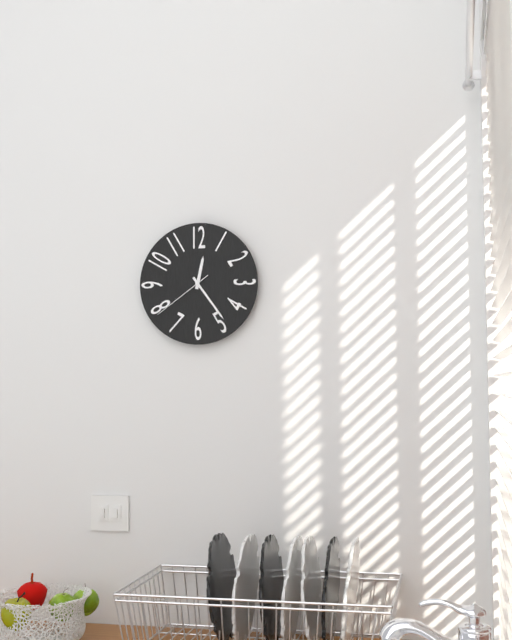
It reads 12:24:39
